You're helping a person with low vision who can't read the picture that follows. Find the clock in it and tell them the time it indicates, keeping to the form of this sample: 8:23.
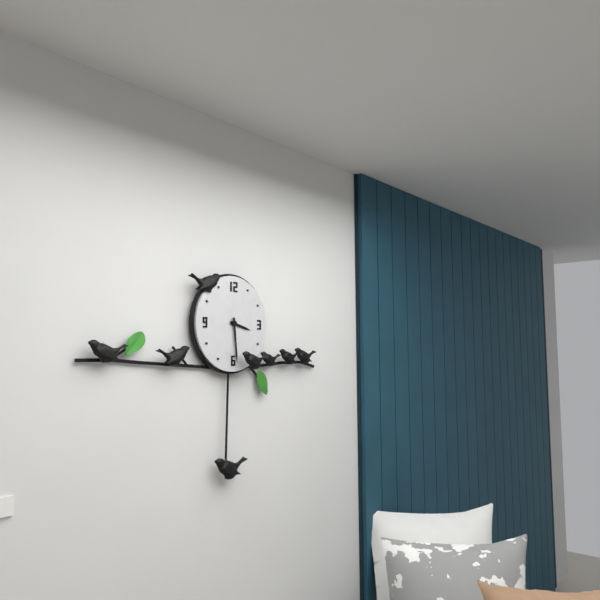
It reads 3:29
